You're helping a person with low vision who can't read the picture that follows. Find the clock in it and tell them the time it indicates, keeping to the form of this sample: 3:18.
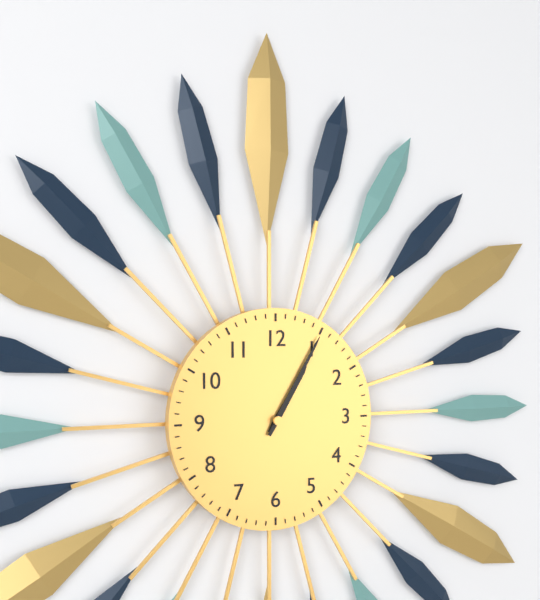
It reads 1:05
